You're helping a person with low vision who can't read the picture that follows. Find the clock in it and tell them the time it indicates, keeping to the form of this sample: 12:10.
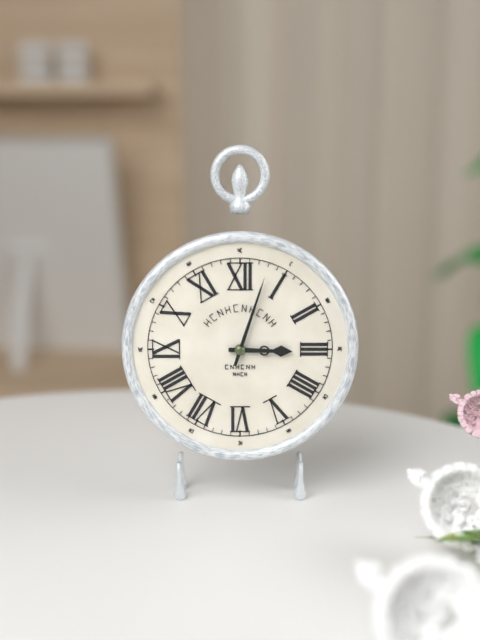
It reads 3:03
